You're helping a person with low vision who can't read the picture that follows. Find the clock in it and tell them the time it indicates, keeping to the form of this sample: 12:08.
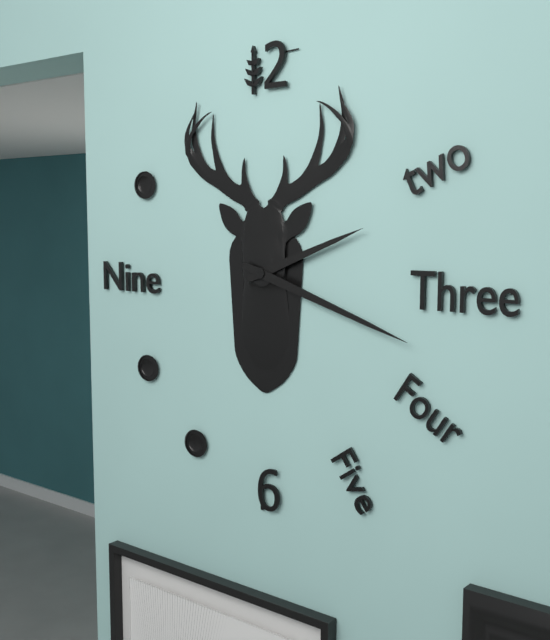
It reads 2:18
